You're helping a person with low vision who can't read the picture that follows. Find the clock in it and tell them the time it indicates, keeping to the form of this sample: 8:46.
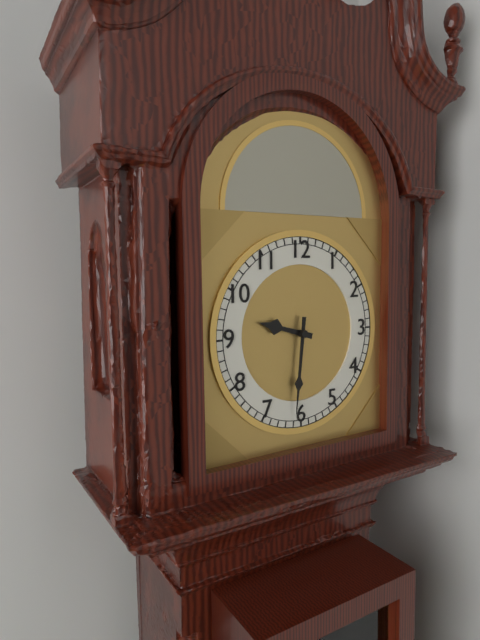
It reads 9:31
